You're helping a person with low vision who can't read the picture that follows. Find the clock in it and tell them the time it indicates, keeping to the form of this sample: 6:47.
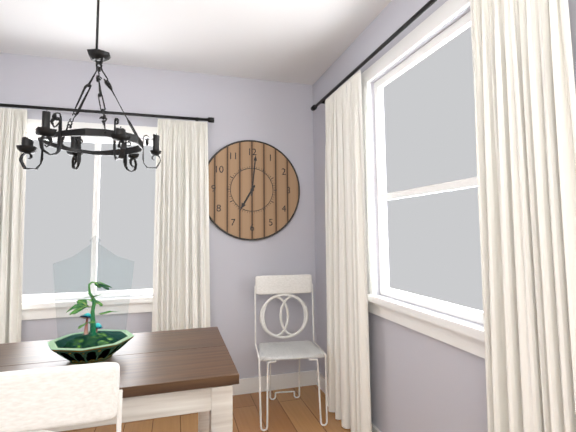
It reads 7:01
